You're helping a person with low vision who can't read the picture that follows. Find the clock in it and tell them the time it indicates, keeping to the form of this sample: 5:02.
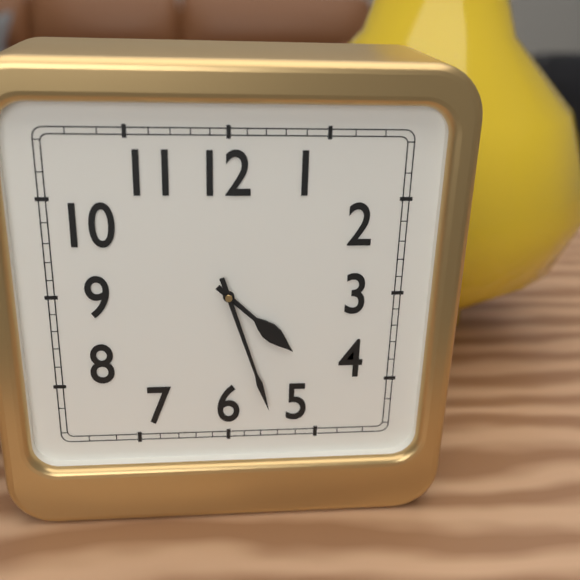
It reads 4:27
